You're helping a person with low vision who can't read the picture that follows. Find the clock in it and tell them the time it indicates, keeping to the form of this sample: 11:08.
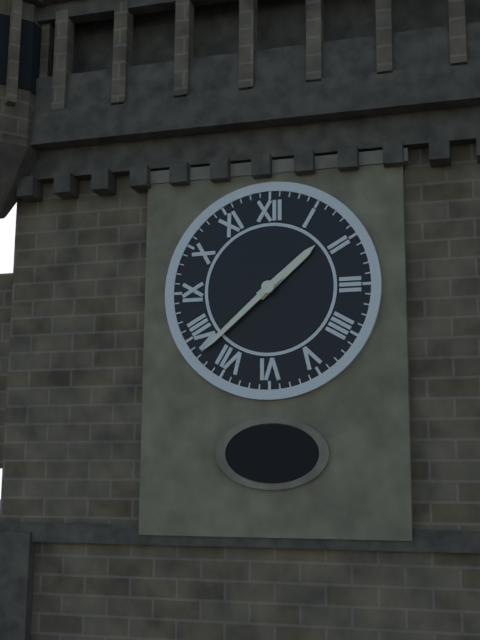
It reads 1:38
